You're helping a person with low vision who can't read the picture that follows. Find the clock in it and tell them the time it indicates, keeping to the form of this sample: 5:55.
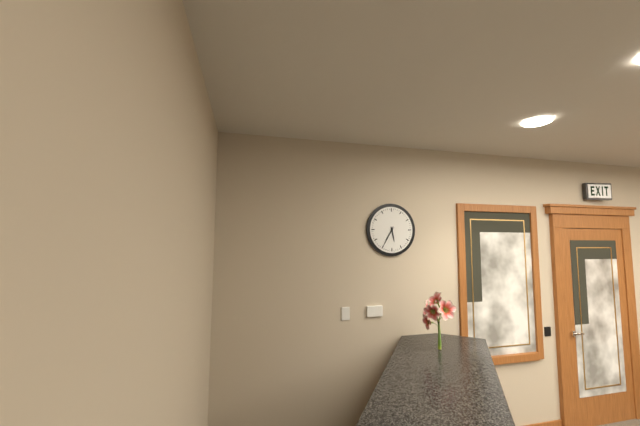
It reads 5:35
